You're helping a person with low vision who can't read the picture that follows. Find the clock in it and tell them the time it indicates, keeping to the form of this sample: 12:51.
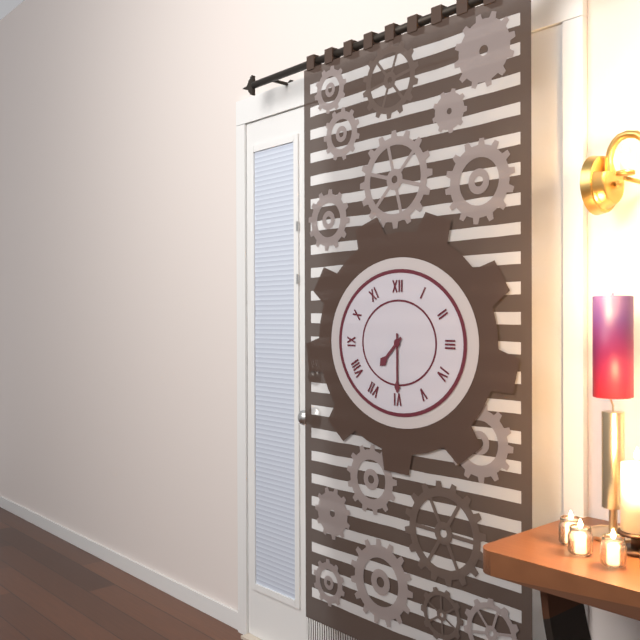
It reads 7:30
